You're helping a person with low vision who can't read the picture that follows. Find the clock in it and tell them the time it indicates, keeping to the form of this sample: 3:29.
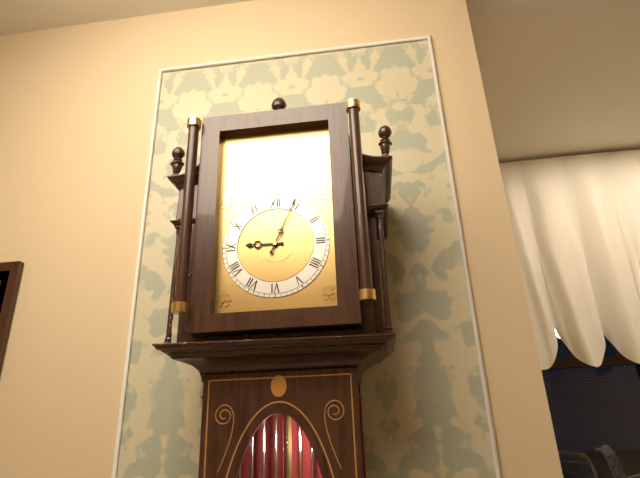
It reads 9:04
